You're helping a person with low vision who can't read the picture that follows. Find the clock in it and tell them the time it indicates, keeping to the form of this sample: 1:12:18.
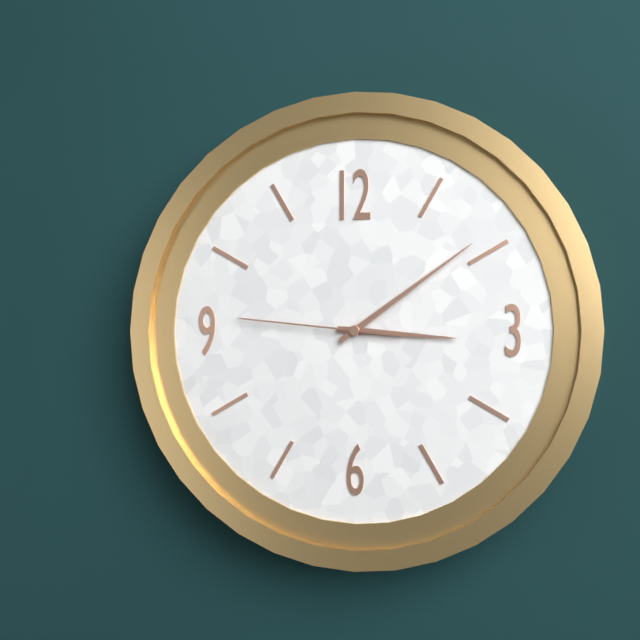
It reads 3:09:46
